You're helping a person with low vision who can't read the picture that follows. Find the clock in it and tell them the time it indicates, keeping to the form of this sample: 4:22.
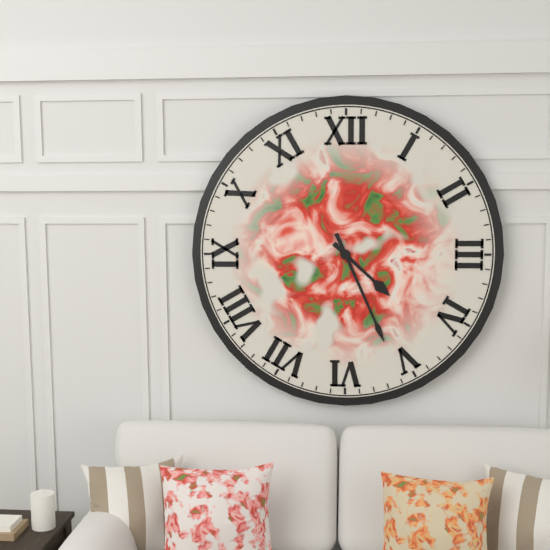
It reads 4:26
